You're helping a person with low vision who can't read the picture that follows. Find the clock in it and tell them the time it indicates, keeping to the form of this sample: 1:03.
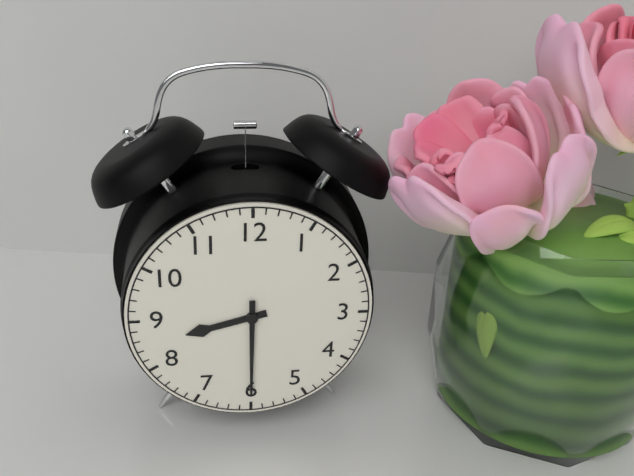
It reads 8:30
